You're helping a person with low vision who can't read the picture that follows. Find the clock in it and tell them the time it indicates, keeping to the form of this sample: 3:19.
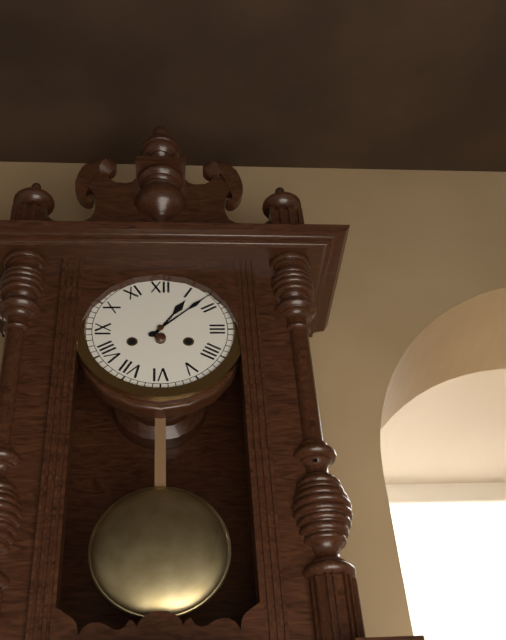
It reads 1:08
